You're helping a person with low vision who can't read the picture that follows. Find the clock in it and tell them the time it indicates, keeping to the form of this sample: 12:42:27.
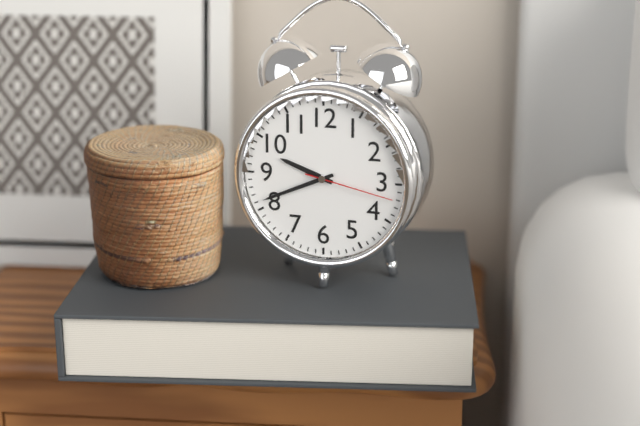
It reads 9:41:17
